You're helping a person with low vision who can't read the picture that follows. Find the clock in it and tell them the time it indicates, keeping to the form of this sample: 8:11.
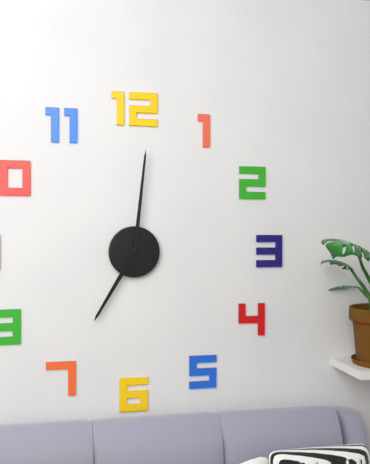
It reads 7:01
